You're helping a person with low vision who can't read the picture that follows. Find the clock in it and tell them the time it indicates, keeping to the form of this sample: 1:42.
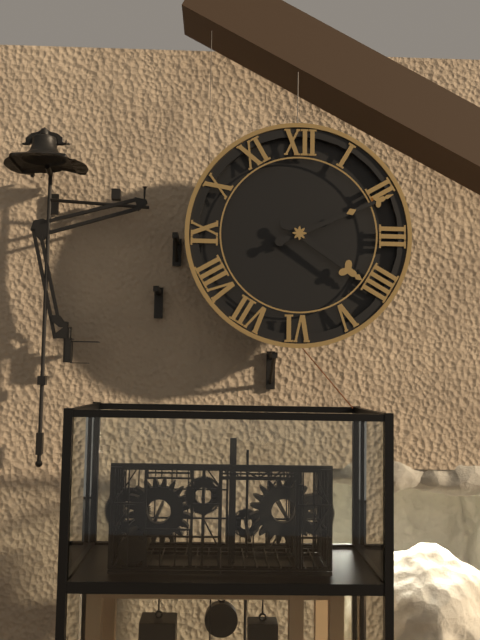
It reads 4:11
